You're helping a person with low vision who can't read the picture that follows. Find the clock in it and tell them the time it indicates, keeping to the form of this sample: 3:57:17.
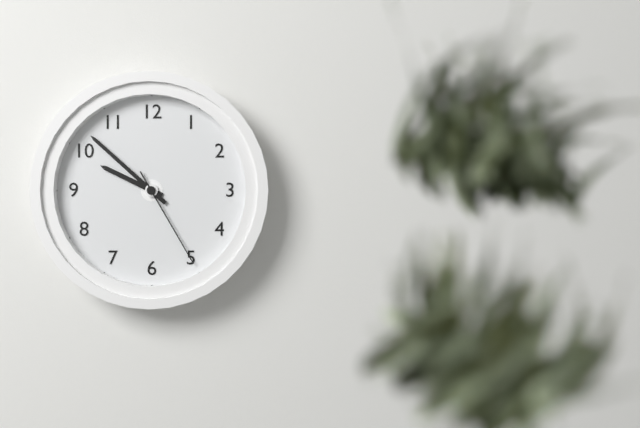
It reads 9:52:25
